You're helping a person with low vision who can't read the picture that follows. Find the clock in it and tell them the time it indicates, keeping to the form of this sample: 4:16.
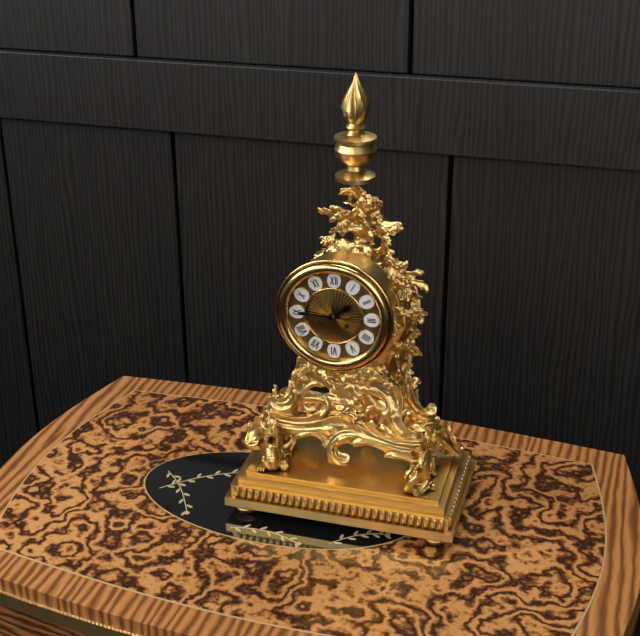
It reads 1:45
